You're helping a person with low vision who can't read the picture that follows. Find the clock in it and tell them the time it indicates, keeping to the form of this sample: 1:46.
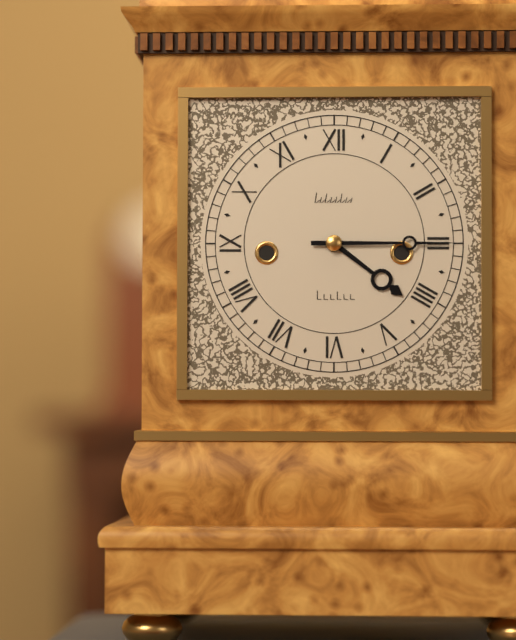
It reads 4:15
